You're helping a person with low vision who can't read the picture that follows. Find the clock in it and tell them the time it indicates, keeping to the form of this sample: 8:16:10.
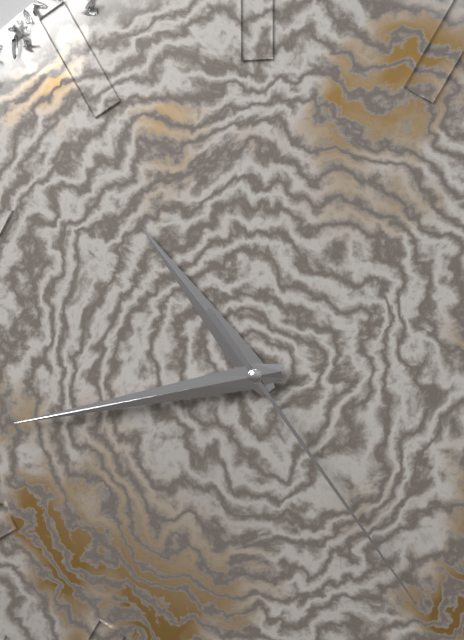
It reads 10:43:24
